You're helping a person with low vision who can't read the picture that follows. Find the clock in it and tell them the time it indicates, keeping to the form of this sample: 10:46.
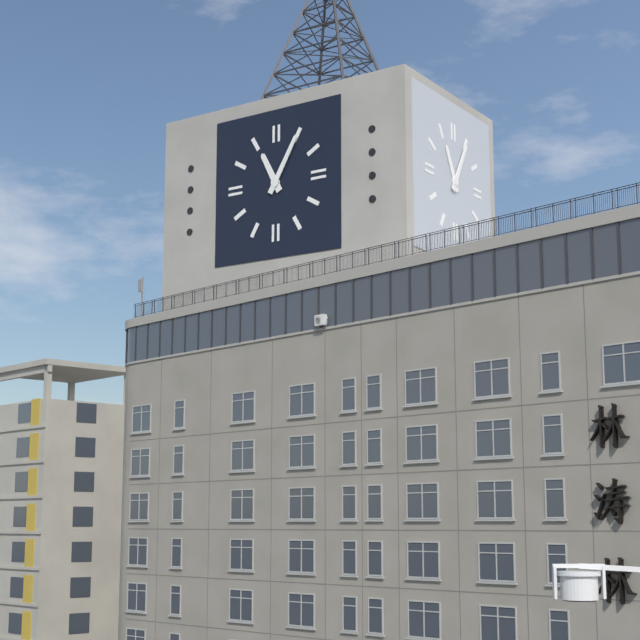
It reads 11:05
